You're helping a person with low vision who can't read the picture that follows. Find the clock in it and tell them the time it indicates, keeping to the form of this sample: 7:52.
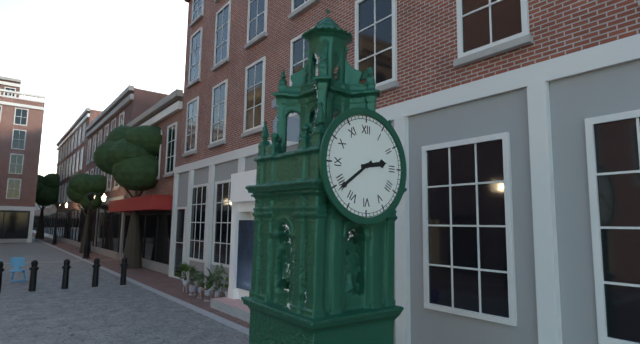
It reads 2:39
